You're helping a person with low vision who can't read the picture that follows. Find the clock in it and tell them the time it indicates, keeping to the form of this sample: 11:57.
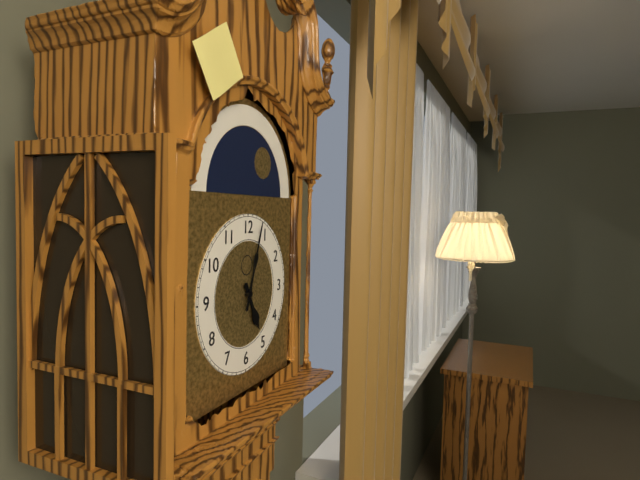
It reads 5:03
